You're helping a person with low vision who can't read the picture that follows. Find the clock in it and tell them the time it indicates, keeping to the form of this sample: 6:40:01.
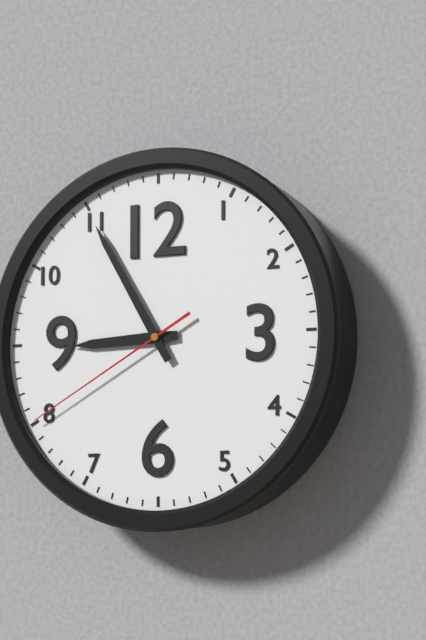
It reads 8:55:40
